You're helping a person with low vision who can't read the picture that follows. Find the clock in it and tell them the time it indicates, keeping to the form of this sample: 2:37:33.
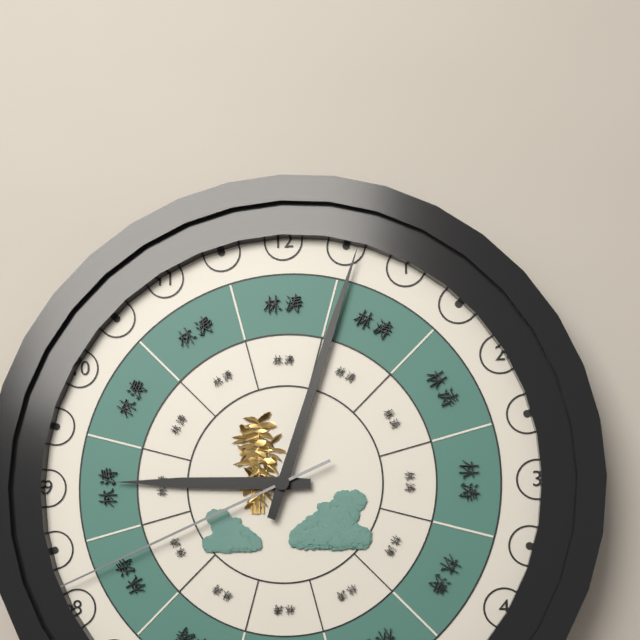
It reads 9:03:41
